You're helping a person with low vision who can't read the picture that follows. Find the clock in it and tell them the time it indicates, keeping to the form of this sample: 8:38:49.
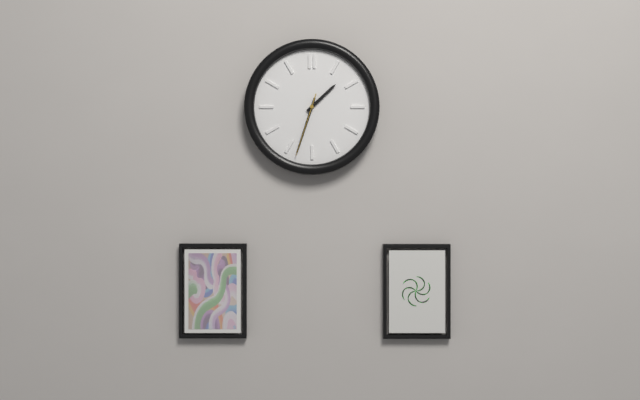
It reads 1:33:33
